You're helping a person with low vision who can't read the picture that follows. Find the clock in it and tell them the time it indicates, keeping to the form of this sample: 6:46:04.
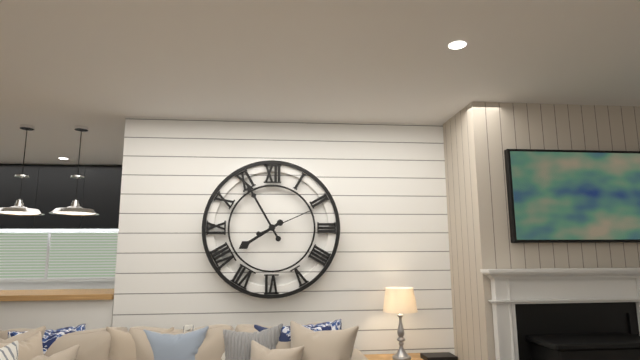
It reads 7:55:11
